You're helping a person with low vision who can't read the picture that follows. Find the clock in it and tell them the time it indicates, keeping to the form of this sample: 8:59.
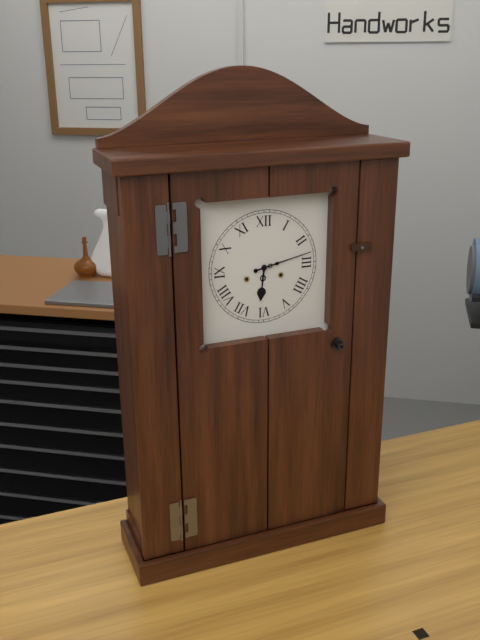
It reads 6:13
